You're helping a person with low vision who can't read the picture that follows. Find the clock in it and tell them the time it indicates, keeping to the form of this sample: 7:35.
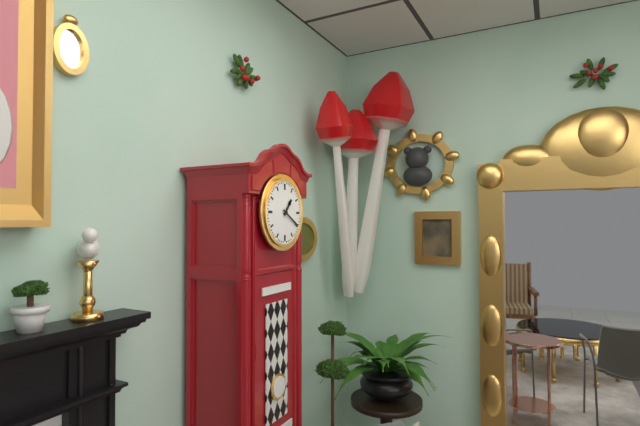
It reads 1:20
